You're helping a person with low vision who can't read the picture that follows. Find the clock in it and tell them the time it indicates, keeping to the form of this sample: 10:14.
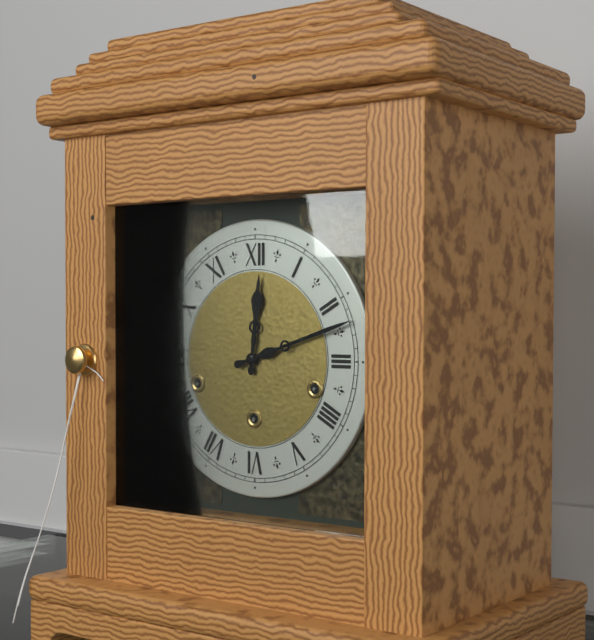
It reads 12:12
